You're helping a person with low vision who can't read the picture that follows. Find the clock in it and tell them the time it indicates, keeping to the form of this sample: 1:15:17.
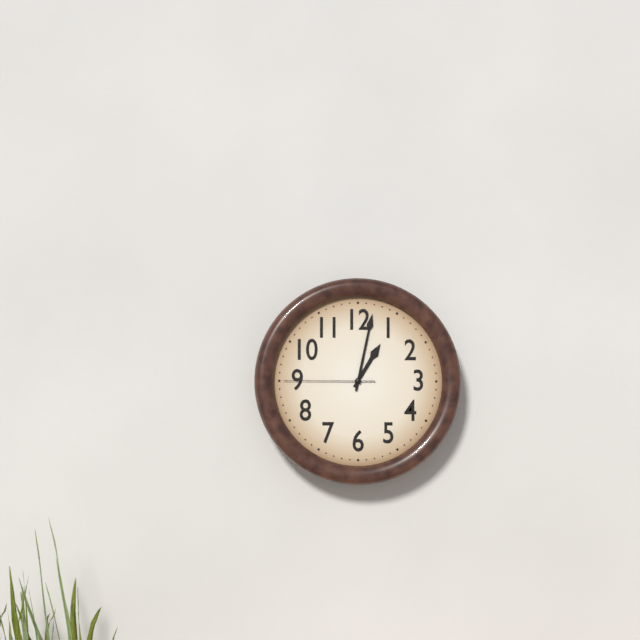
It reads 1:02:45
